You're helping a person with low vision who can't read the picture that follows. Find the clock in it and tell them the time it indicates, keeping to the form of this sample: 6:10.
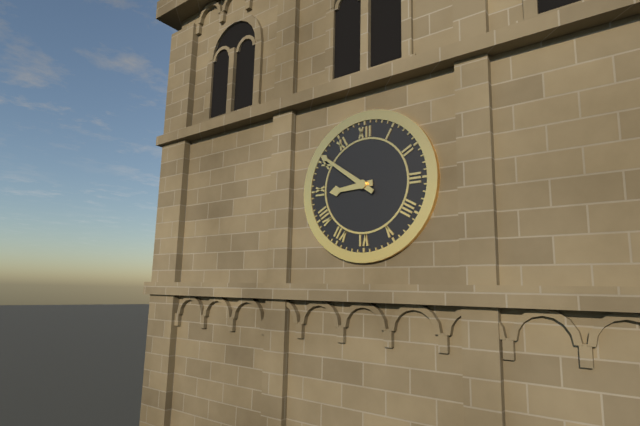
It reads 8:51
